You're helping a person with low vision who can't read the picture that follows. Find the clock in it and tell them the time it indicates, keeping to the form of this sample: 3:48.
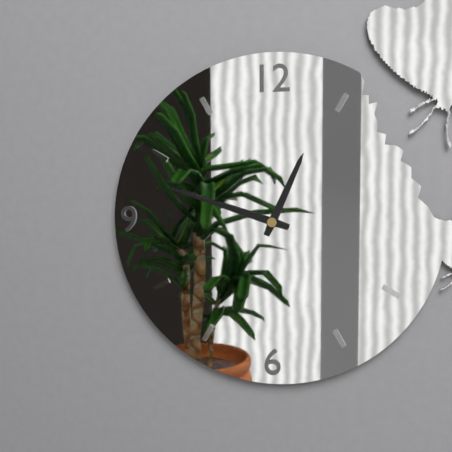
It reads 12:48
